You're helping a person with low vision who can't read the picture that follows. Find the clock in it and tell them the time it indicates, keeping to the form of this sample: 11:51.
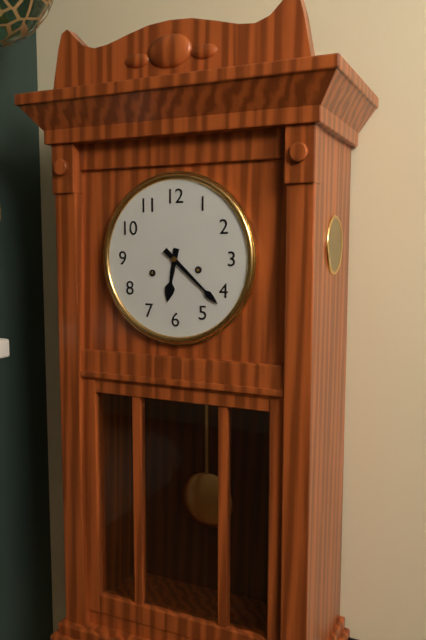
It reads 6:22
